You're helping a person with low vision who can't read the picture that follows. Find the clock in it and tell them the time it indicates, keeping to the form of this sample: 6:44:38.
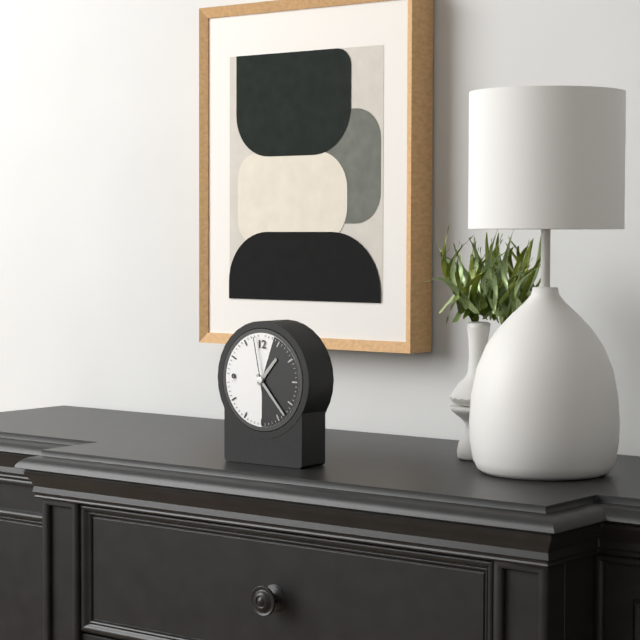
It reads 1:23:58
